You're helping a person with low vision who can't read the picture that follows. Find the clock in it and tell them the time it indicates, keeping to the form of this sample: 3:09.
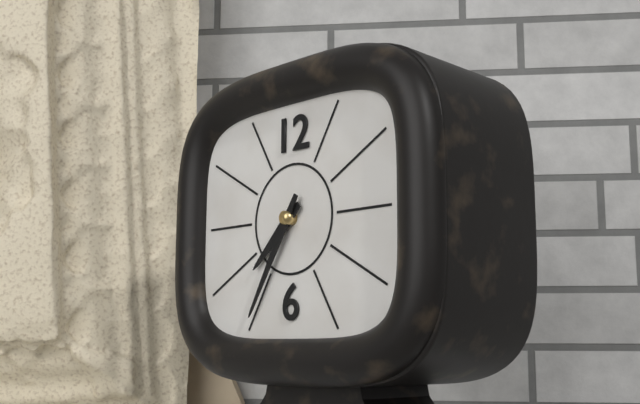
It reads 7:35
